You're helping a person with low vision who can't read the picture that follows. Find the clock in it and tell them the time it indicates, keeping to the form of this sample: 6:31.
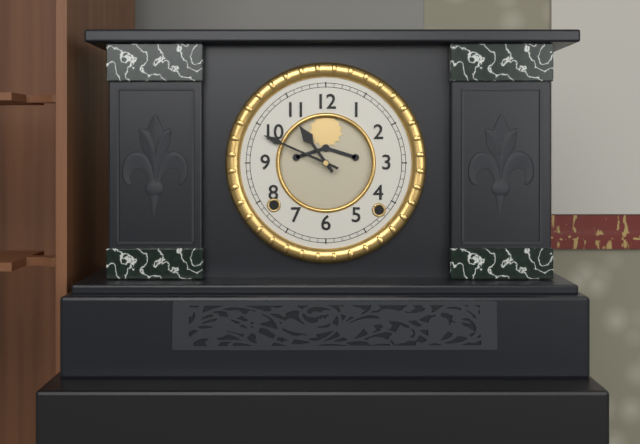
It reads 10:49
